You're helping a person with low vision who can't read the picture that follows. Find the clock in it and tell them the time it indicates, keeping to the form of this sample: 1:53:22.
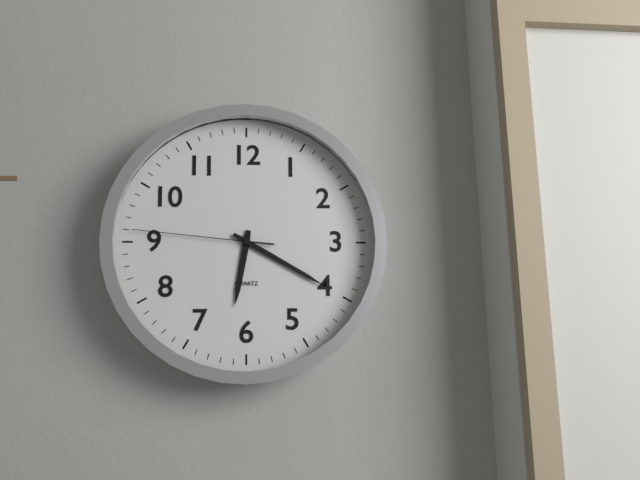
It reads 6:20:46
